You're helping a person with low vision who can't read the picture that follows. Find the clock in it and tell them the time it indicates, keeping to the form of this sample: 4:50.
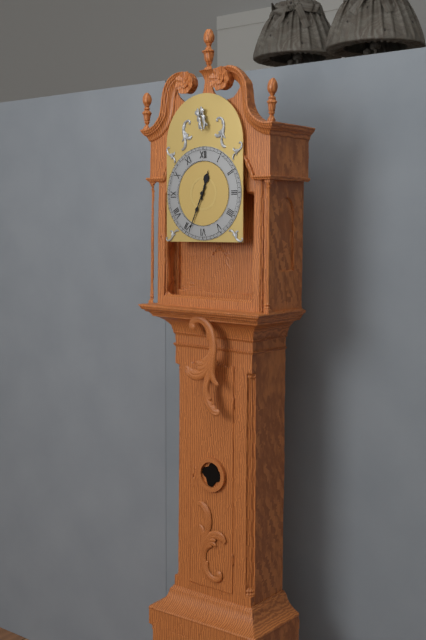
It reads 12:34
